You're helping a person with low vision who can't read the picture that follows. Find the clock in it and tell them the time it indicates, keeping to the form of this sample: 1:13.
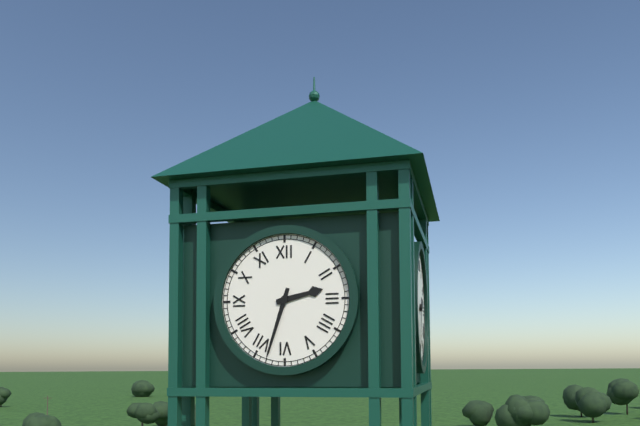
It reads 2:33
